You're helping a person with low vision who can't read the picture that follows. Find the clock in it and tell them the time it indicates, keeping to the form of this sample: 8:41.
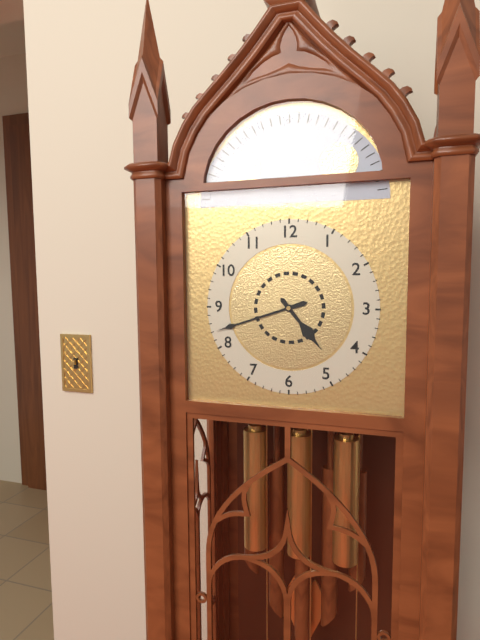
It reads 4:42
